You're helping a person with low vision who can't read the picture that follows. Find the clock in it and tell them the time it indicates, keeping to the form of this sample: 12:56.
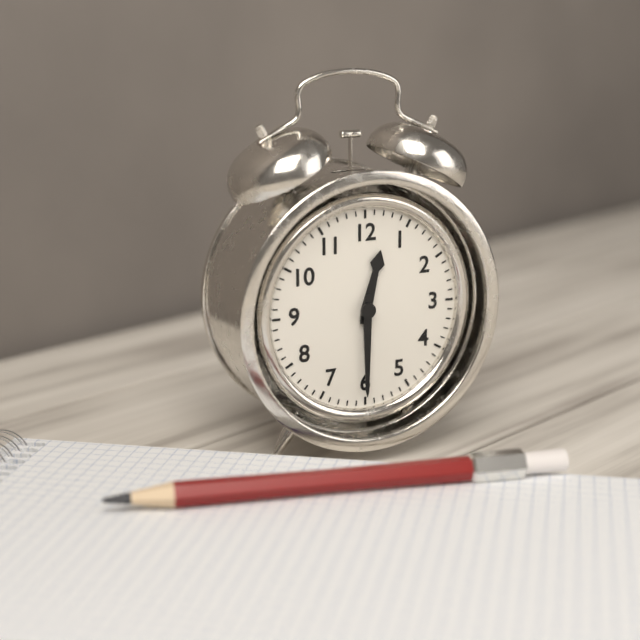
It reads 12:30
